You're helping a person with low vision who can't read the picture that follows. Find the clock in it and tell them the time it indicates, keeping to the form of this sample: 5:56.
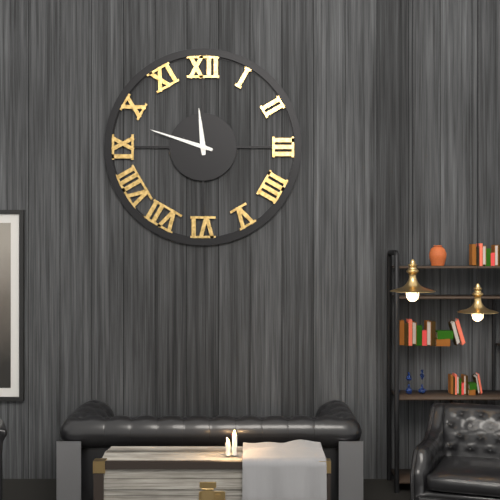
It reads 11:48
